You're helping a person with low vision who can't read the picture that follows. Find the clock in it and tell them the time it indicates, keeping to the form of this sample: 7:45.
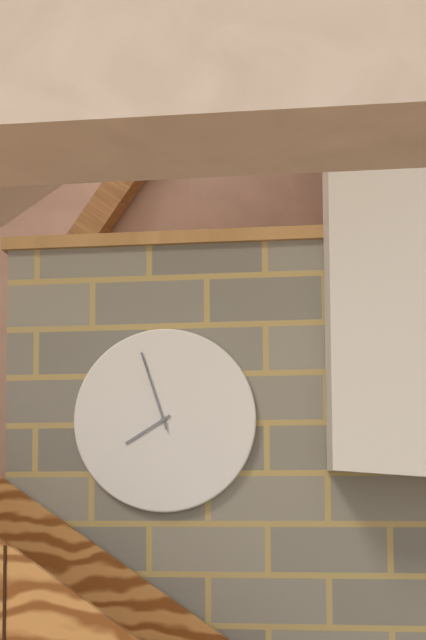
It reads 7:57
